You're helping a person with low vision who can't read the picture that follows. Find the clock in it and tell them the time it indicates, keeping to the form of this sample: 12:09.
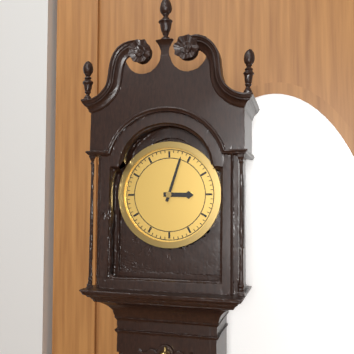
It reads 3:03
